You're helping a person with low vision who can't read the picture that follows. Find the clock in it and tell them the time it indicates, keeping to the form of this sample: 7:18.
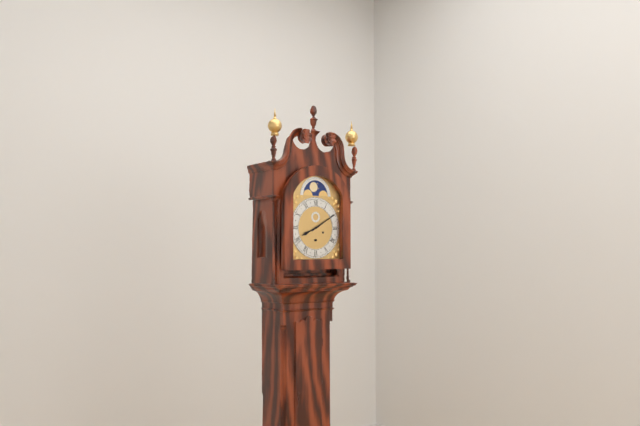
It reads 8:10
